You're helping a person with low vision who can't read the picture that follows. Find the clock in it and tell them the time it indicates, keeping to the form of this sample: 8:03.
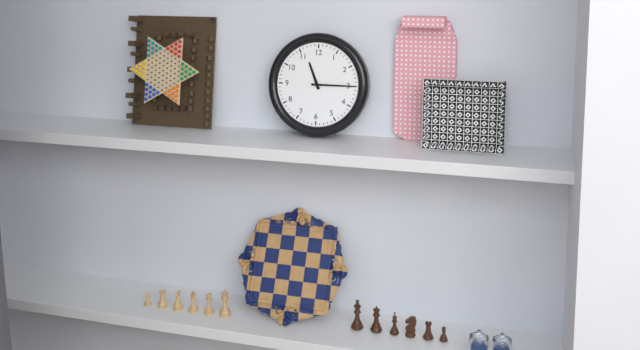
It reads 11:15
